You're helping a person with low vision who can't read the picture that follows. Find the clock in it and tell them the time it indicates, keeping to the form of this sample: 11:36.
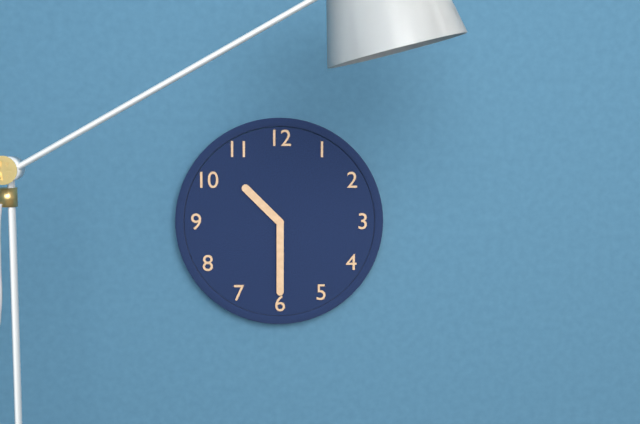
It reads 10:30
